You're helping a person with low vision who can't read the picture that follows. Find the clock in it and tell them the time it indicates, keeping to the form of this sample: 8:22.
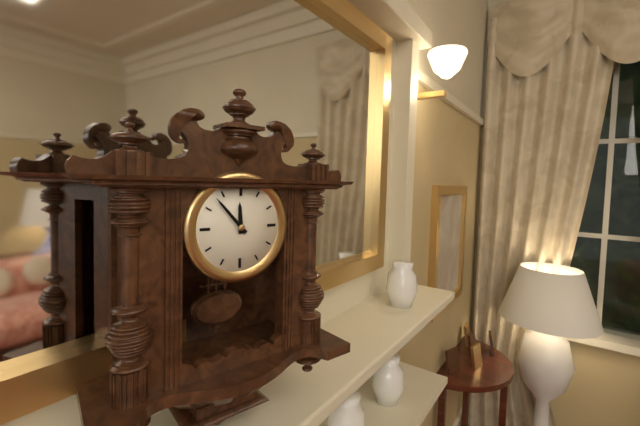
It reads 11:53
